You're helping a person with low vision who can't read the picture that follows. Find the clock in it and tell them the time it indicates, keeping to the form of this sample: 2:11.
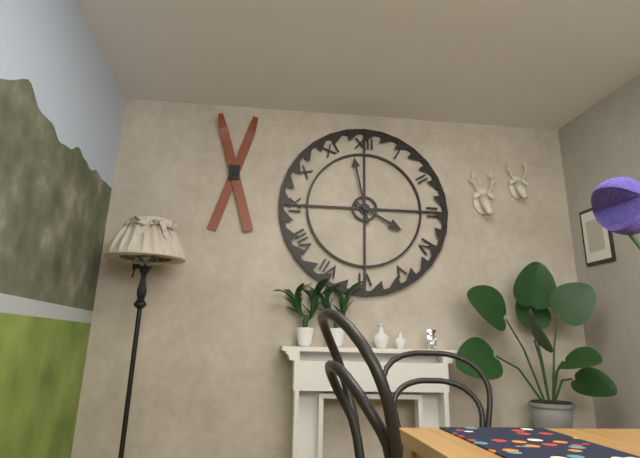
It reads 3:58
